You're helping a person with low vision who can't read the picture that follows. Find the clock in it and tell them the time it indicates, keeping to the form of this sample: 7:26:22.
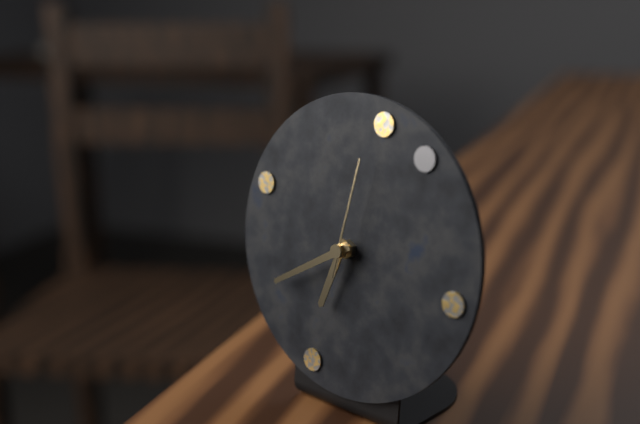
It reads 6:40:02
